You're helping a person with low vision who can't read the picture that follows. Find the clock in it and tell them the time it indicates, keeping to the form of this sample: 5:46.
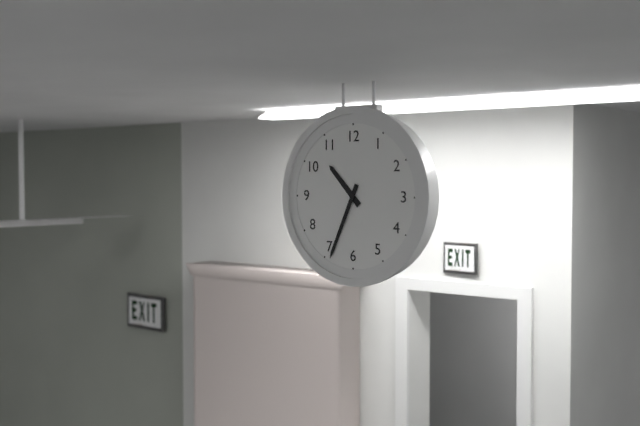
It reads 10:34
